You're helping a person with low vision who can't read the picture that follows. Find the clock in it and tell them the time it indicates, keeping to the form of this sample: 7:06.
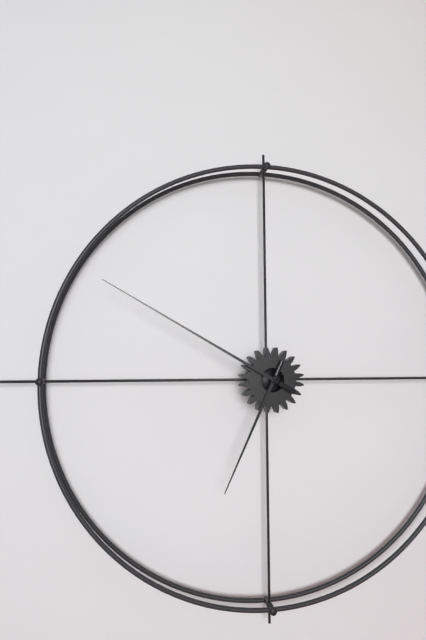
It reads 6:50
